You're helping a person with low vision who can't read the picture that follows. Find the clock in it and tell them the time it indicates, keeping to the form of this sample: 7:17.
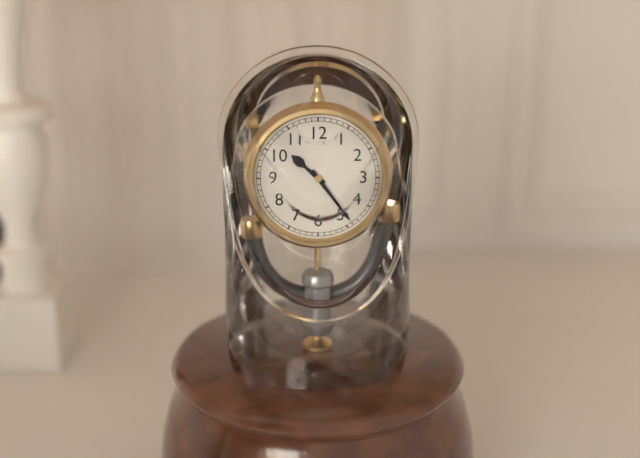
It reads 10:24
